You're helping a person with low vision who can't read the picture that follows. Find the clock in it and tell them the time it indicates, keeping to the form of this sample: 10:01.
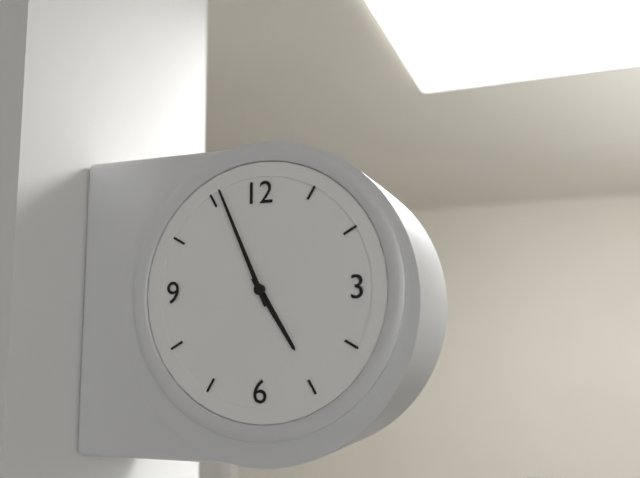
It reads 4:56
